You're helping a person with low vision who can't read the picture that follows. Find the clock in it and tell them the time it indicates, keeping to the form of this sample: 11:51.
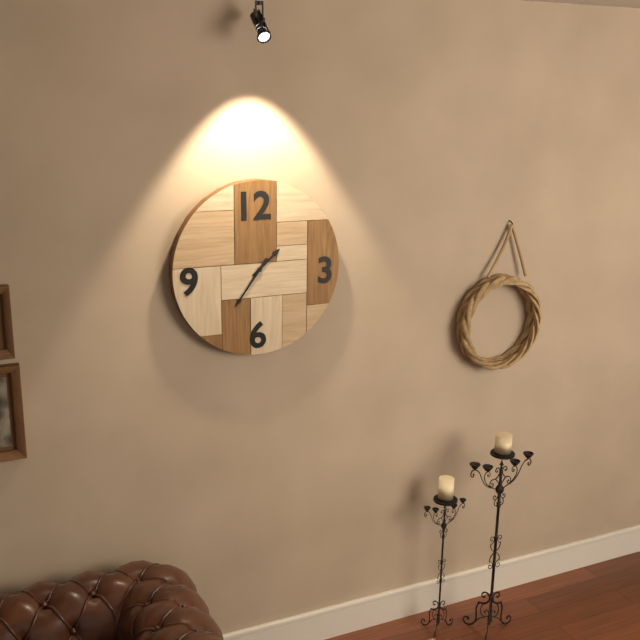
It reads 1:36
